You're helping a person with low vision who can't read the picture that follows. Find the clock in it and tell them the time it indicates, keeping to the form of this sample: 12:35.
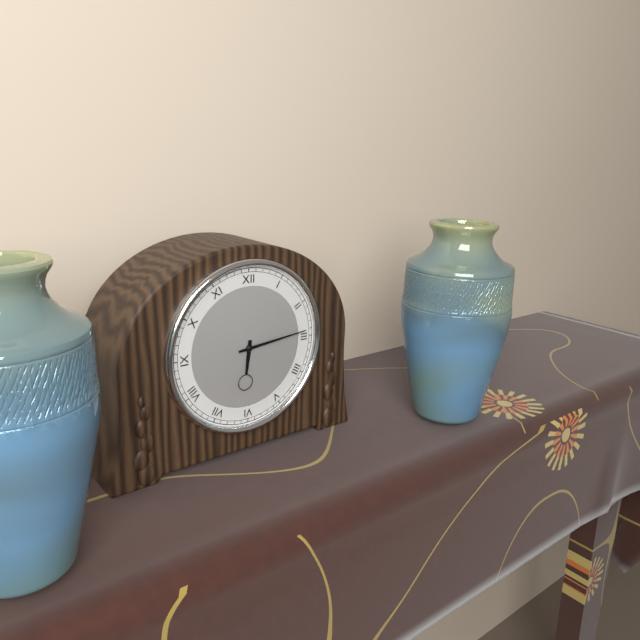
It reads 6:14
